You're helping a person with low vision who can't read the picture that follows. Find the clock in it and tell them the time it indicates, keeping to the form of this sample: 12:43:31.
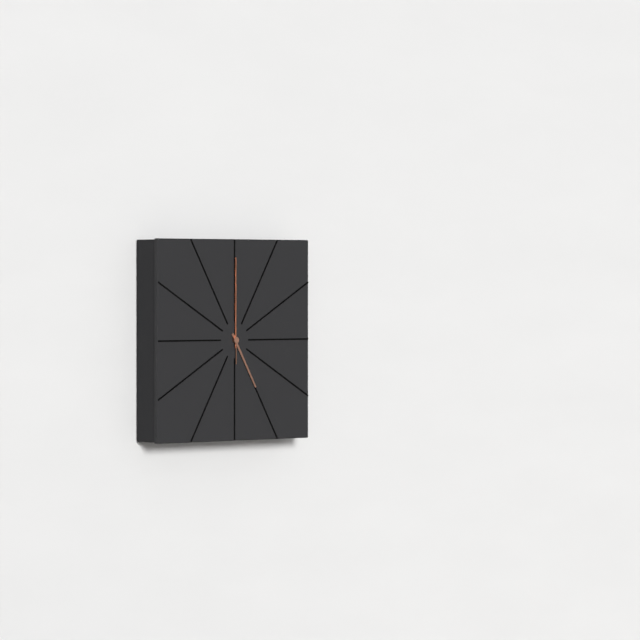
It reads 5:00:00
